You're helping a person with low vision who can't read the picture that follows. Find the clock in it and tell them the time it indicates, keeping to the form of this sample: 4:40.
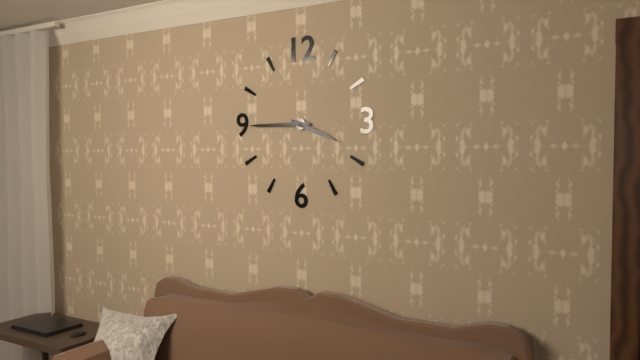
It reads 3:45
